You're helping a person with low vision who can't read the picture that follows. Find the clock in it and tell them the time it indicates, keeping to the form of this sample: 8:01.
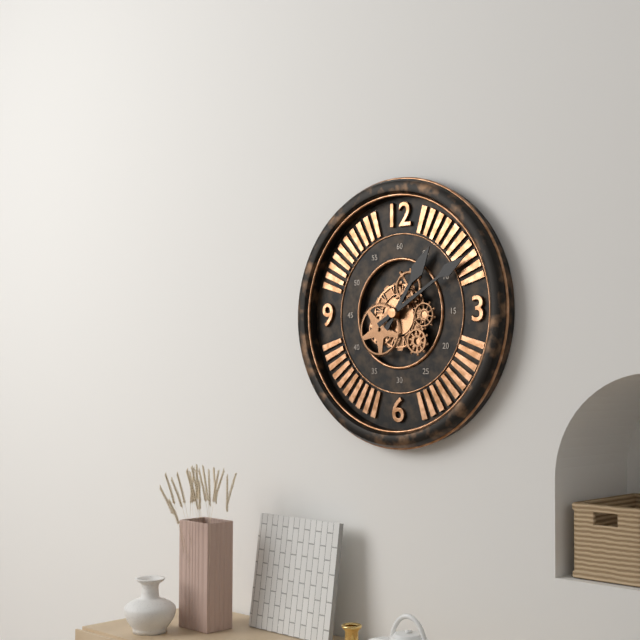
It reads 1:10
